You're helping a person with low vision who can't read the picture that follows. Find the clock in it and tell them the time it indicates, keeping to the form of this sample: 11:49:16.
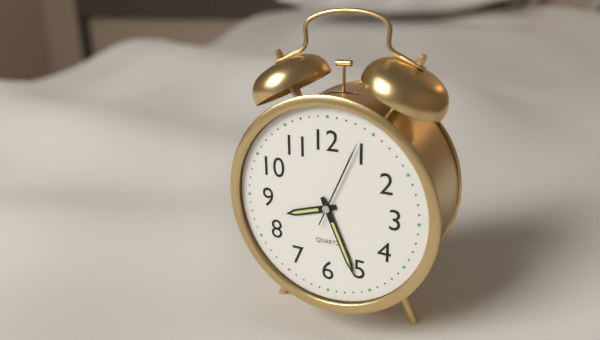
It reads 8:26:04
